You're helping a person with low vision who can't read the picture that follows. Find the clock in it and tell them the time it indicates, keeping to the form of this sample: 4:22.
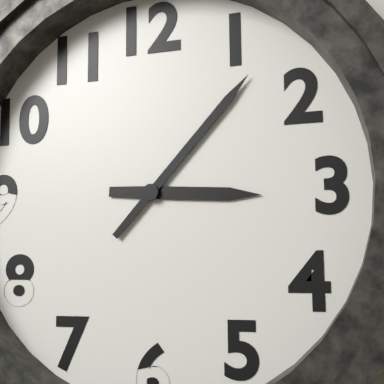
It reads 3:07
